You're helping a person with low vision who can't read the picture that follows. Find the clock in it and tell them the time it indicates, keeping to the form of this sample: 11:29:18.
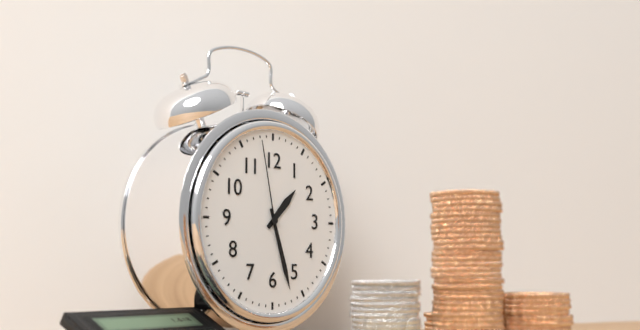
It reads 1:27:58
